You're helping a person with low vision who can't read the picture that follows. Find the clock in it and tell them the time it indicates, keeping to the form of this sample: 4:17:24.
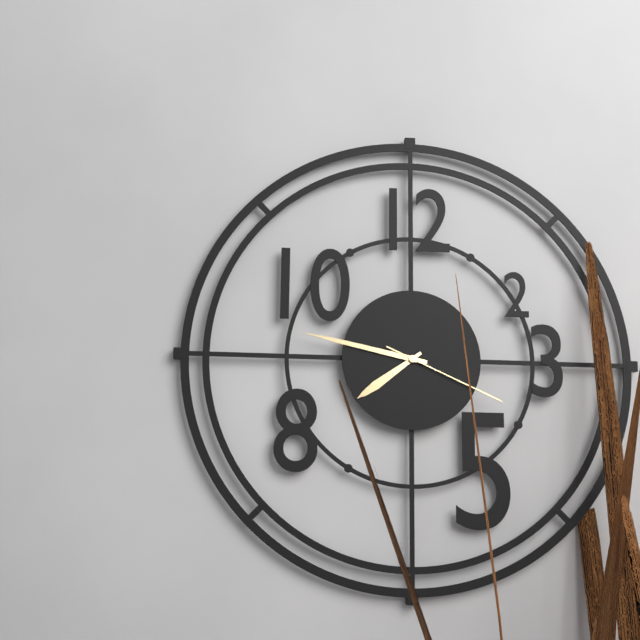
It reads 7:47:19
